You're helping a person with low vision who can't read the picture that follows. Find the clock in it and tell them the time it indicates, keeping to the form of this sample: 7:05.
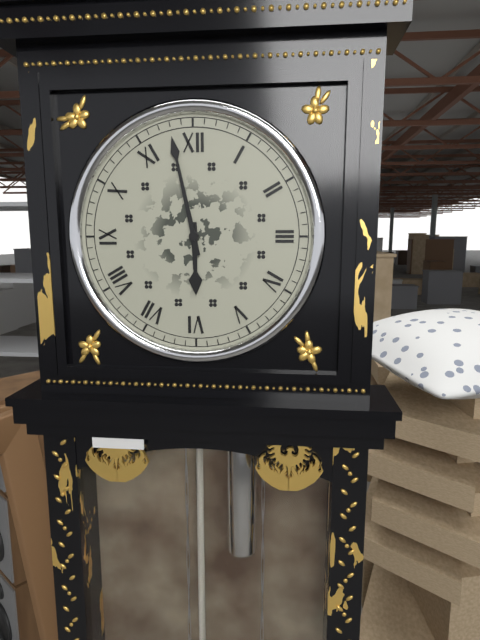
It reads 5:58
